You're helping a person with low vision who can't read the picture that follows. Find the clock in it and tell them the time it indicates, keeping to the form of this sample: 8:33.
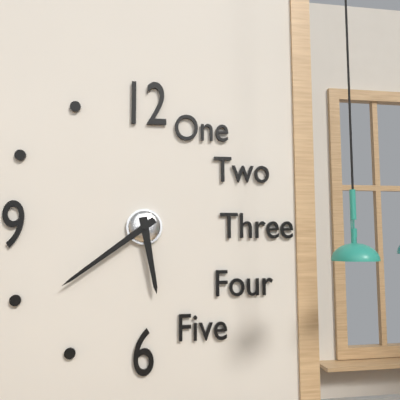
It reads 5:39
